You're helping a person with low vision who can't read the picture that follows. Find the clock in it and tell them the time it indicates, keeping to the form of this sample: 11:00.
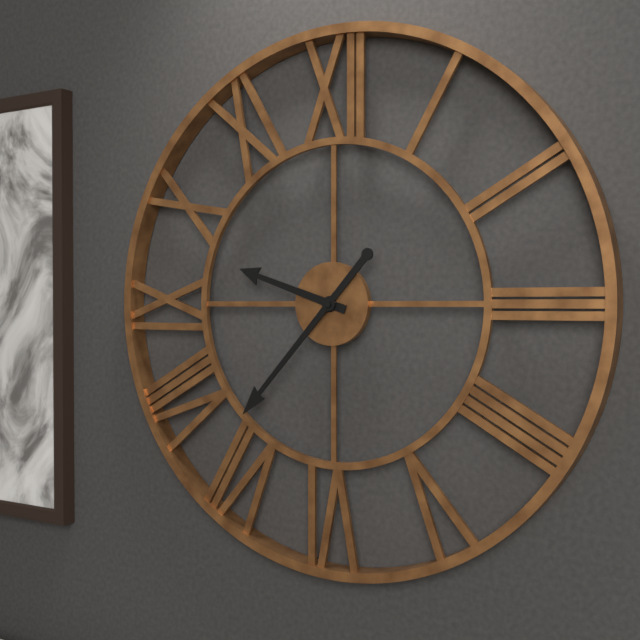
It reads 9:37
